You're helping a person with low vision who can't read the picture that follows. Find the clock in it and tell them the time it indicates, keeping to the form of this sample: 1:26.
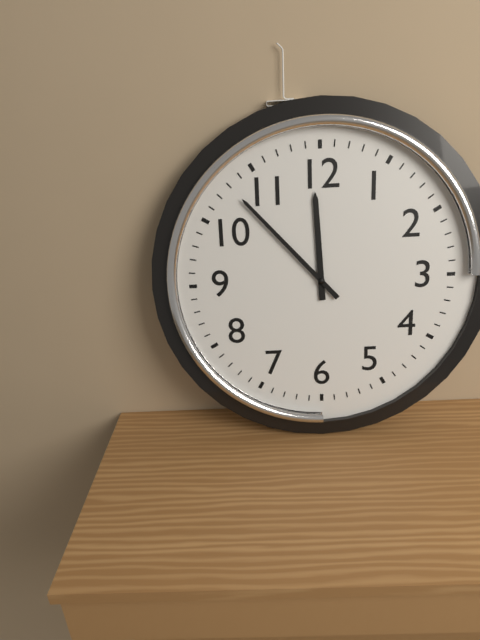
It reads 11:53
